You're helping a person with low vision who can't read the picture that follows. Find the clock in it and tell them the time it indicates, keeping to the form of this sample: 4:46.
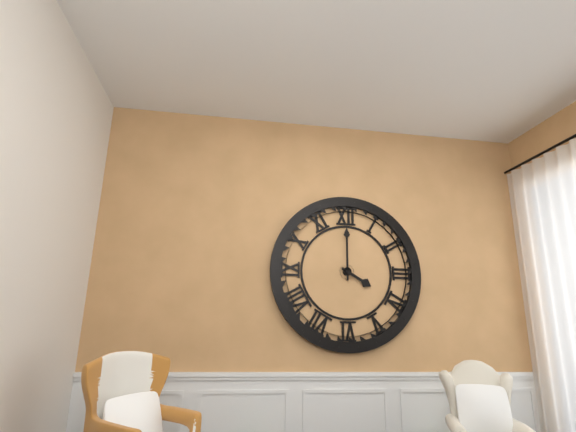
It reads 4:00
